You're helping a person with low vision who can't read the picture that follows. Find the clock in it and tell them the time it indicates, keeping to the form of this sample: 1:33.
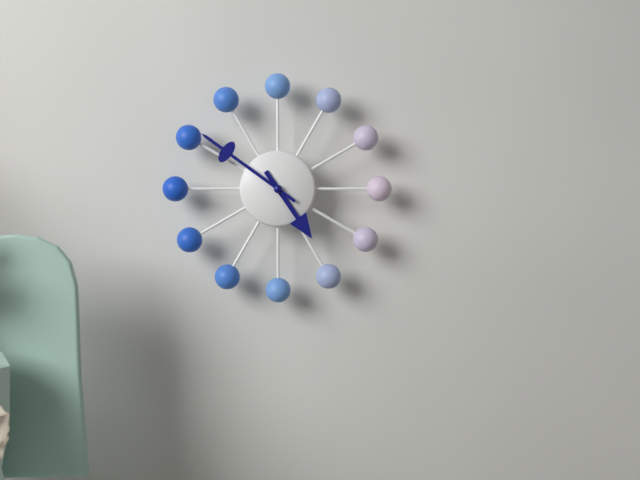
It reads 4:51
